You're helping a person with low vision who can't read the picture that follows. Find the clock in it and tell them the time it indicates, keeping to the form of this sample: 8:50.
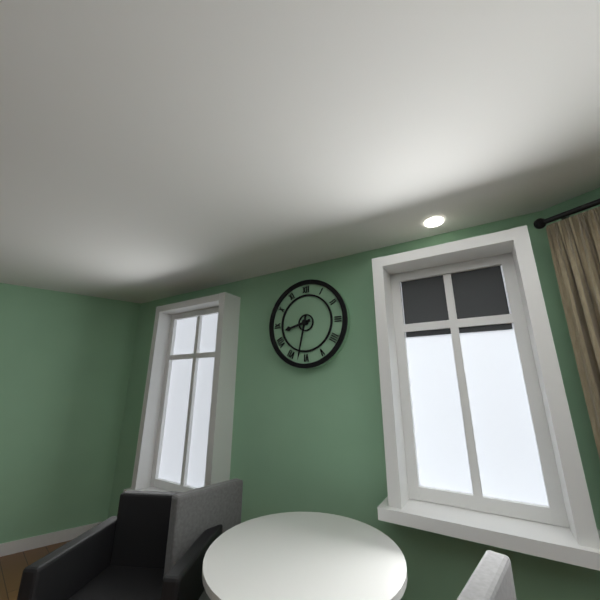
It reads 8:32
